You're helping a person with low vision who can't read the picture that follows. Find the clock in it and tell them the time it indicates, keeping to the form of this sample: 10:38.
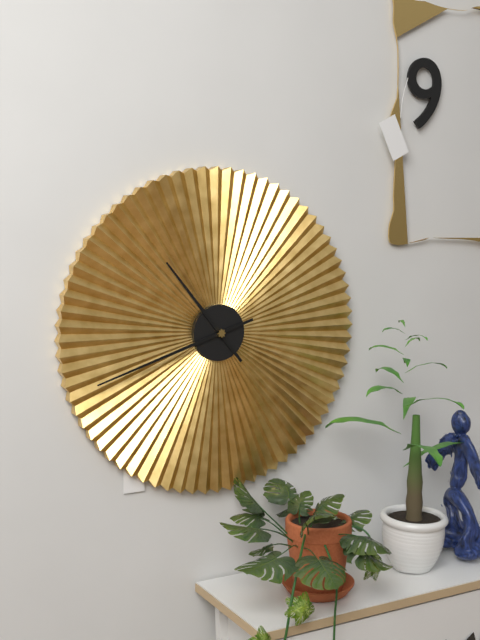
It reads 10:42
